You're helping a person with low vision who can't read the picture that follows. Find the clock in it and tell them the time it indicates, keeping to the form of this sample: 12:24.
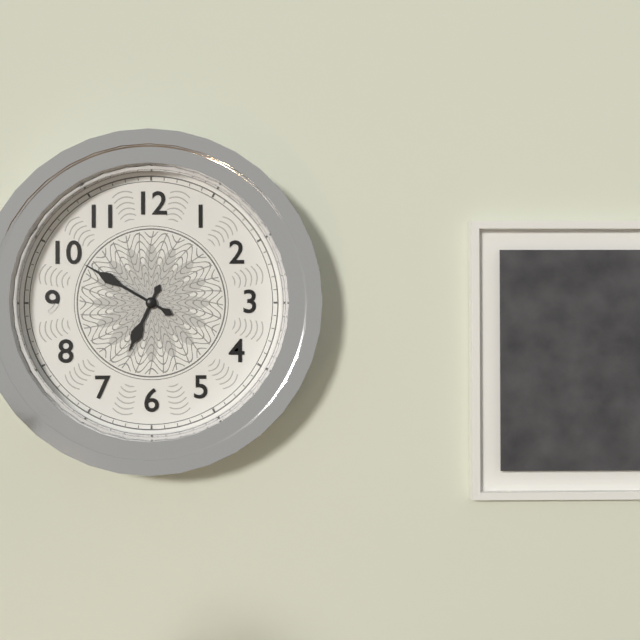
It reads 6:50
